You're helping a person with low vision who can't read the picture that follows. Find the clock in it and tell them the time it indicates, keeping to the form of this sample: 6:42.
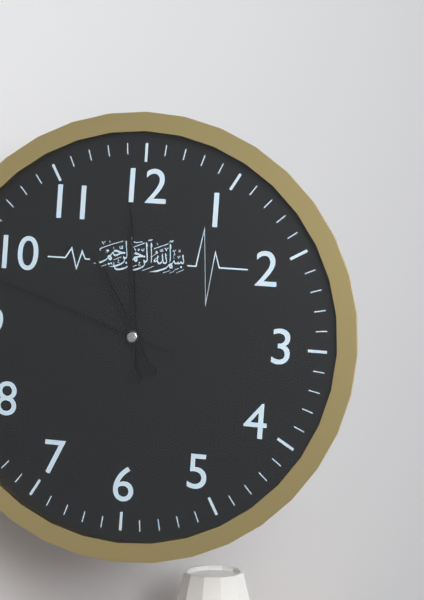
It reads 10:59
